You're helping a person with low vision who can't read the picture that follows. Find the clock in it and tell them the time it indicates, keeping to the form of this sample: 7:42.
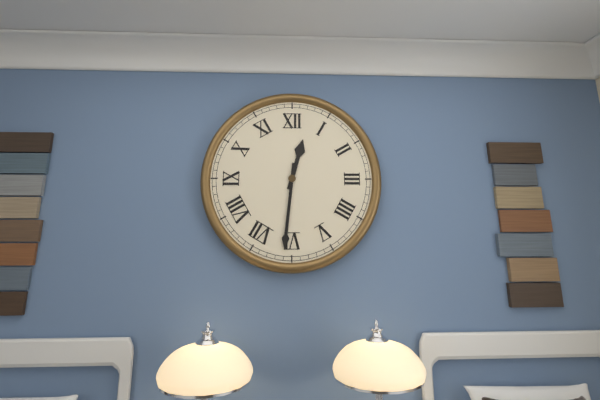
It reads 12:31
